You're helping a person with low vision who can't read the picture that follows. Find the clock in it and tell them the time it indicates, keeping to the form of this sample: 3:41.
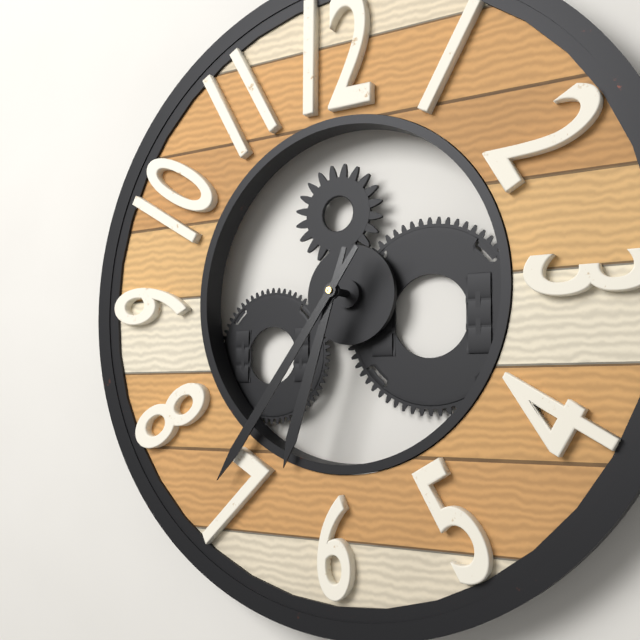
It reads 6:36
